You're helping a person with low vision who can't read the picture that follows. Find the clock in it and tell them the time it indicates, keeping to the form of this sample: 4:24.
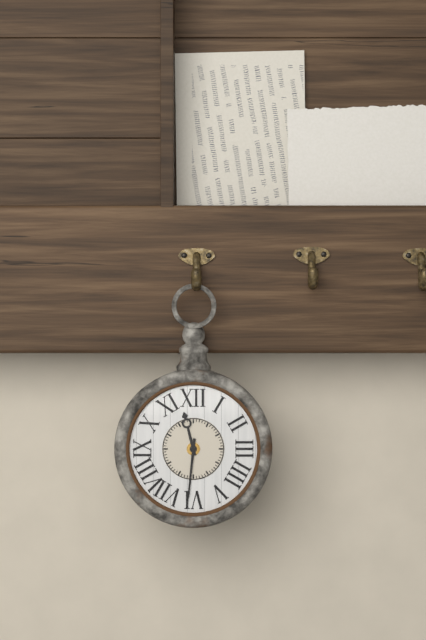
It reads 11:31
